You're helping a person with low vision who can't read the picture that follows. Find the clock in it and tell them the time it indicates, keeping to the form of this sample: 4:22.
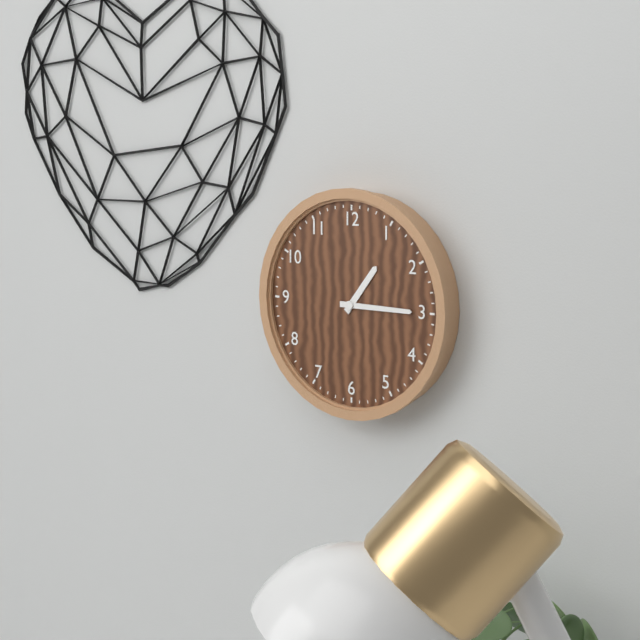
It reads 1:15
